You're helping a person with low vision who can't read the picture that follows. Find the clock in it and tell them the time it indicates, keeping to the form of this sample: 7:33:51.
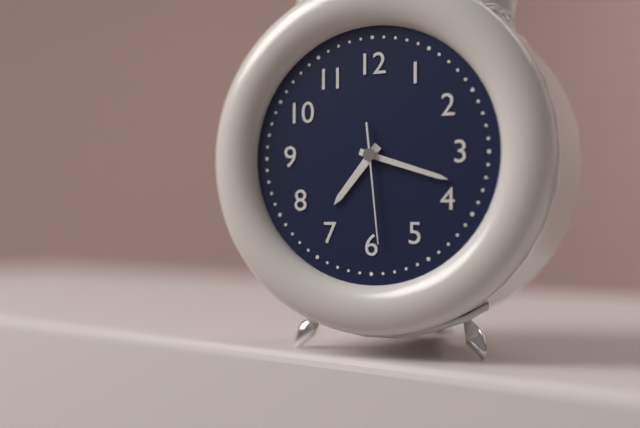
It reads 7:18:29
